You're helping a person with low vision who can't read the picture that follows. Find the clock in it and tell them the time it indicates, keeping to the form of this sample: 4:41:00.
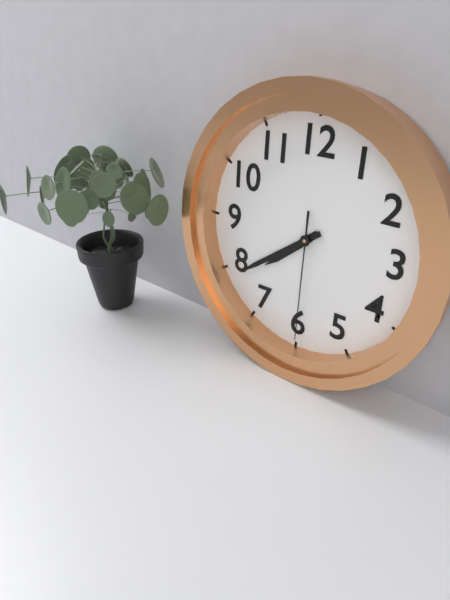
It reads 7:39:30
